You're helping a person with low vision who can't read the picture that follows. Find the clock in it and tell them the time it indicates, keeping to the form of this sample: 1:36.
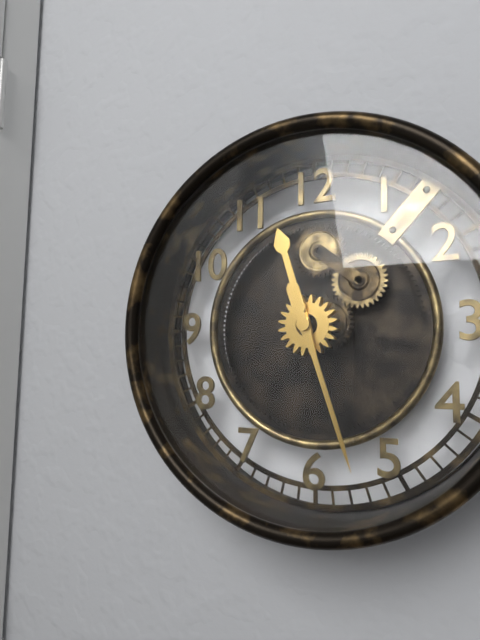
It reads 11:27
